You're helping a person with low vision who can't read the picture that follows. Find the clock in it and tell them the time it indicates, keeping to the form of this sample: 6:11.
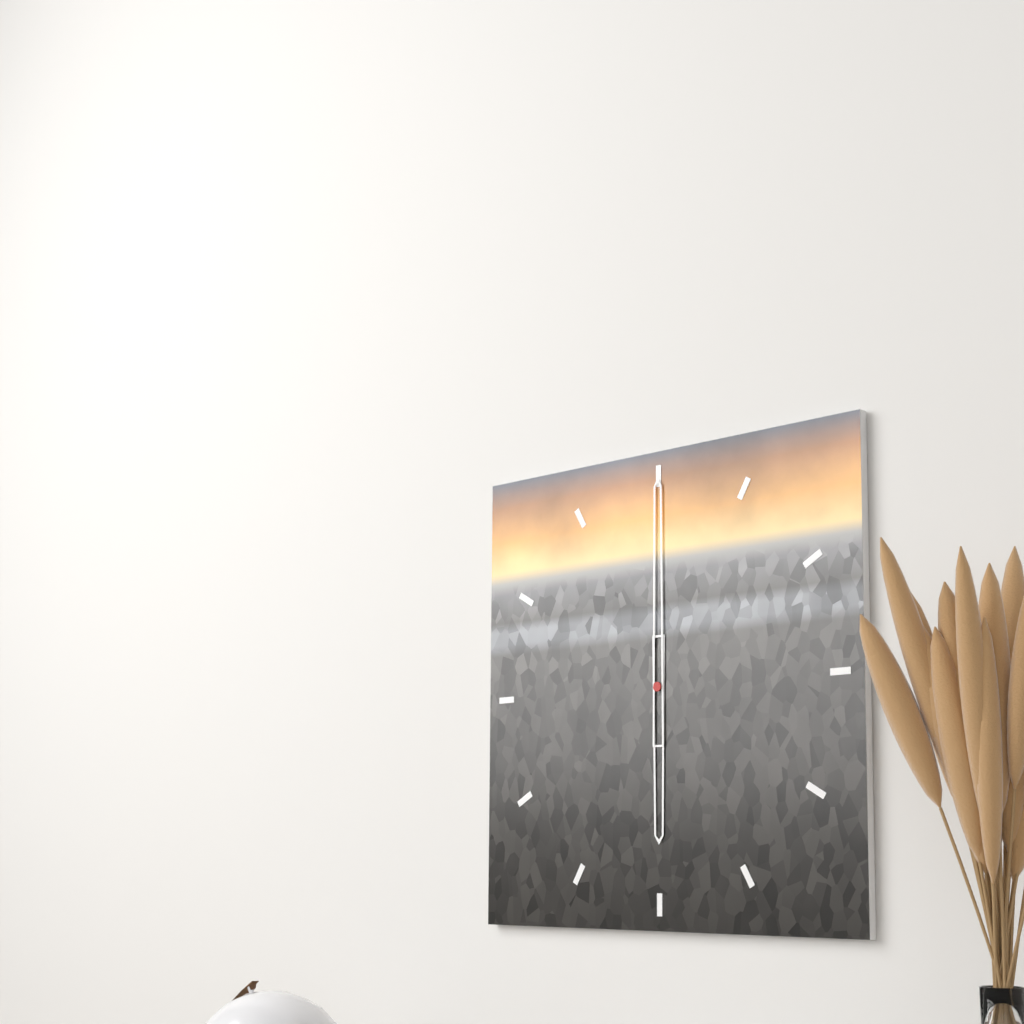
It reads 6:00
